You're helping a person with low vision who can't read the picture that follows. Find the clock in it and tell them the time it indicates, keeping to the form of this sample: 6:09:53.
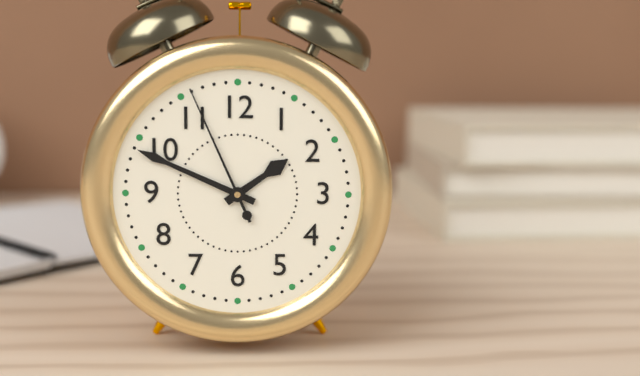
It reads 1:49:56
